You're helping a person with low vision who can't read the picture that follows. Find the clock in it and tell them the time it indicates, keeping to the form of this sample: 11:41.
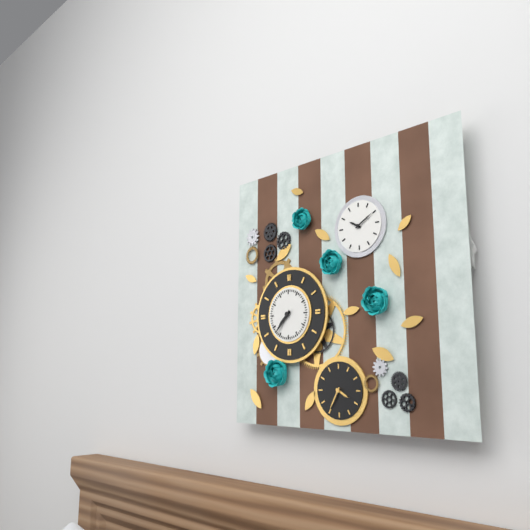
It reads 7:37
